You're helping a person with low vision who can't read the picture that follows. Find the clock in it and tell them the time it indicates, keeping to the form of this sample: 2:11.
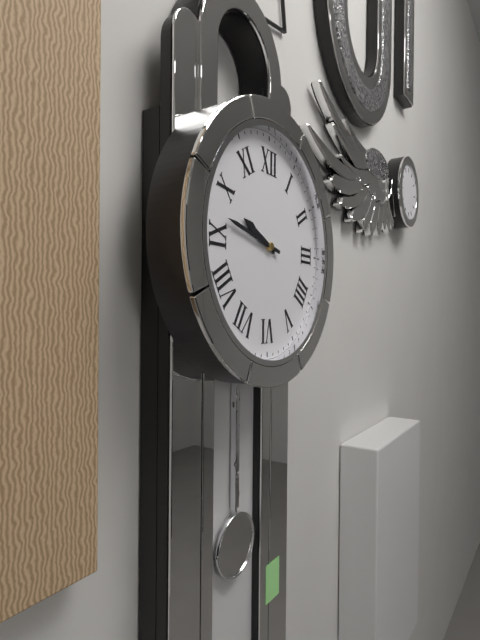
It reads 9:47
